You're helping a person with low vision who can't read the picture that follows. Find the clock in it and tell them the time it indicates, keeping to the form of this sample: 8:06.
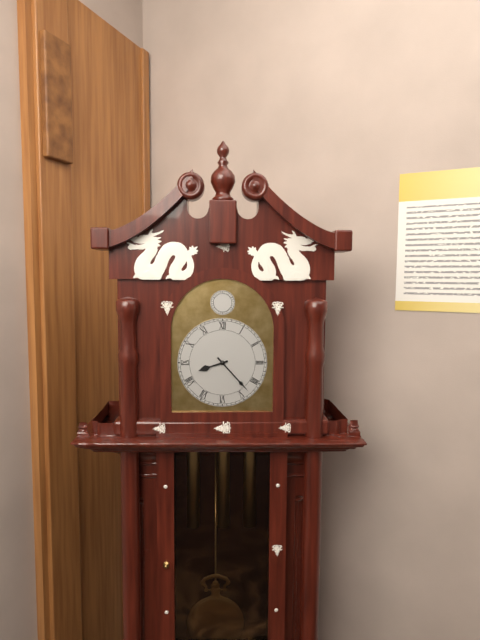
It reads 8:23
